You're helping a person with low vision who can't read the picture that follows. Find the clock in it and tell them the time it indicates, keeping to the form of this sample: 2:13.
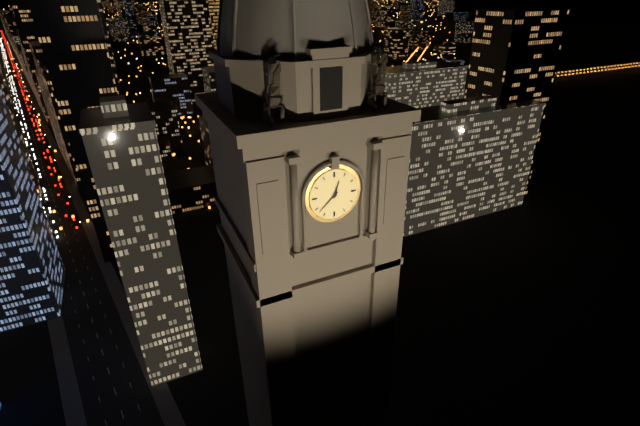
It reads 12:38
